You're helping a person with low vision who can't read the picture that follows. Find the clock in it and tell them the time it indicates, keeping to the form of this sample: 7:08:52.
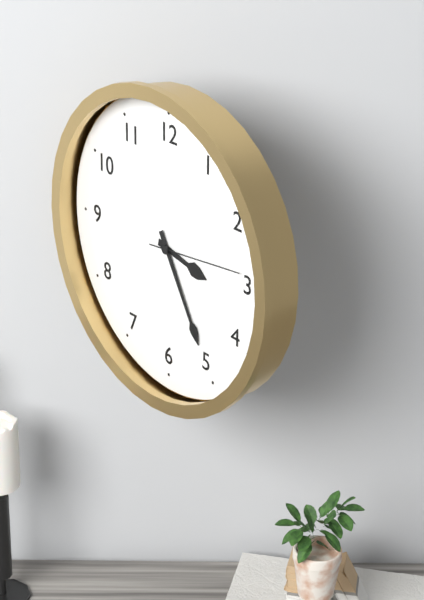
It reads 3:25:14
